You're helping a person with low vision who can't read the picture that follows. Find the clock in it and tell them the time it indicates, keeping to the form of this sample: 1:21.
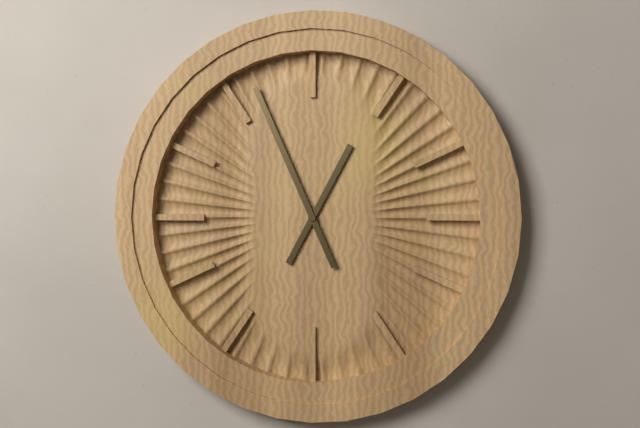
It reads 12:56
